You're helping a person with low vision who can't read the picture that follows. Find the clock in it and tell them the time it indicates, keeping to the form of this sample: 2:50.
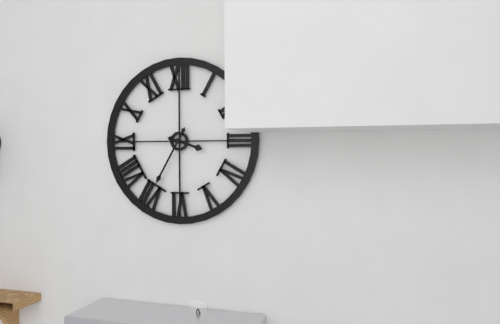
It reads 3:35
